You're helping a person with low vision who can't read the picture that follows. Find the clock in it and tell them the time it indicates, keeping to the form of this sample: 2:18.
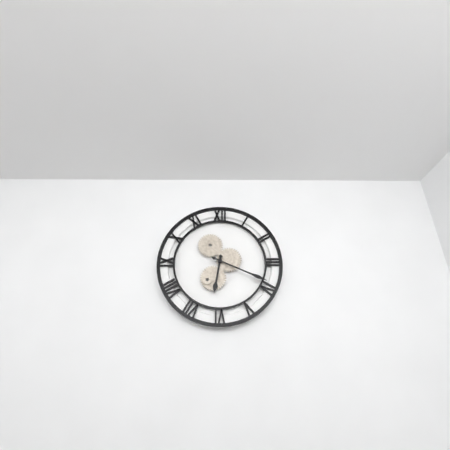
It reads 6:19
